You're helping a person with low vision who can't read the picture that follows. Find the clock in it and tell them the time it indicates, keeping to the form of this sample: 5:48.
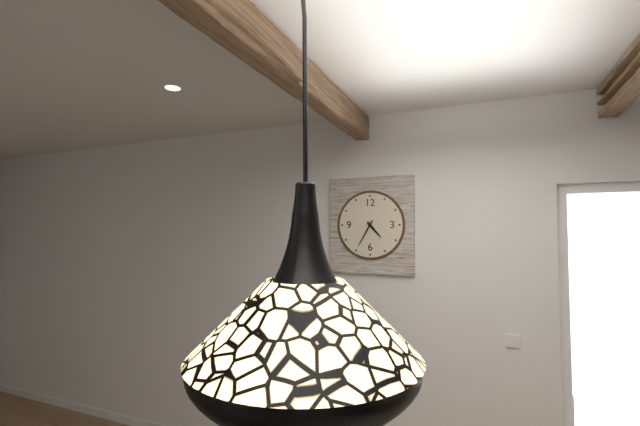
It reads 4:35
